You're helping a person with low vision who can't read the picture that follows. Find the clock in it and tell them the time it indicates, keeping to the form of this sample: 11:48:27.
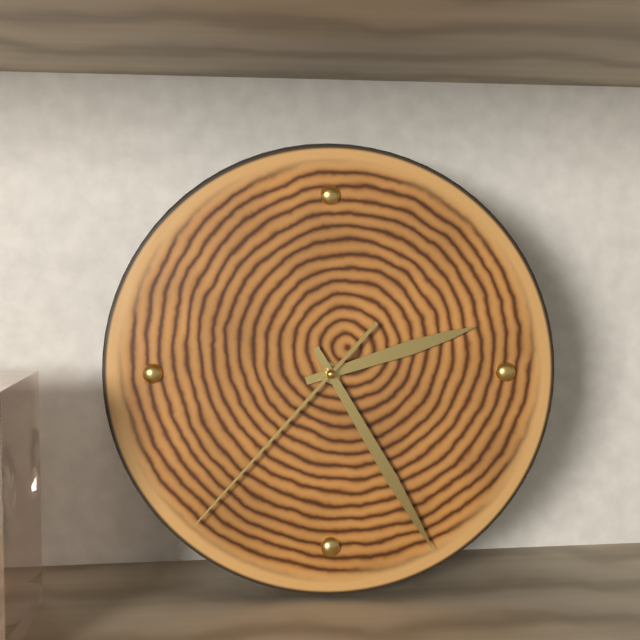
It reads 2:25:37
